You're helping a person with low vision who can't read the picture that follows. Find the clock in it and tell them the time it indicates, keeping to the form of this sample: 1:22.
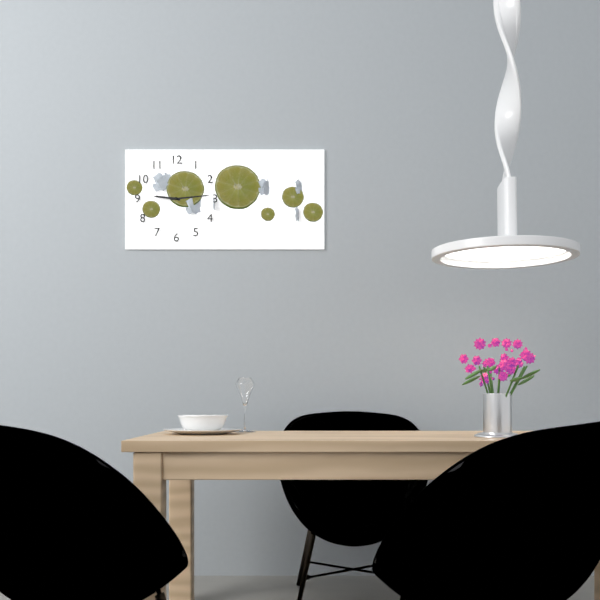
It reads 9:14
